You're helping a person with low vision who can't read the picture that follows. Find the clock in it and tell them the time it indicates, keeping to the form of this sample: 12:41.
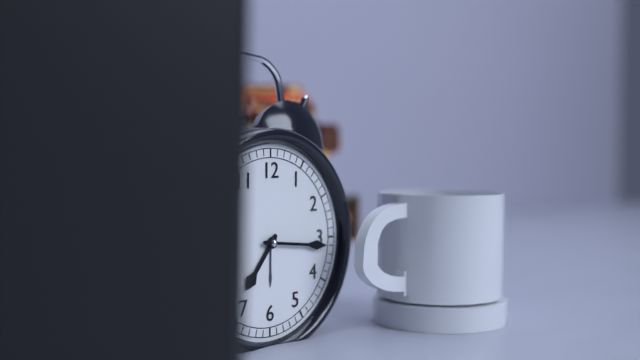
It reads 7:16
